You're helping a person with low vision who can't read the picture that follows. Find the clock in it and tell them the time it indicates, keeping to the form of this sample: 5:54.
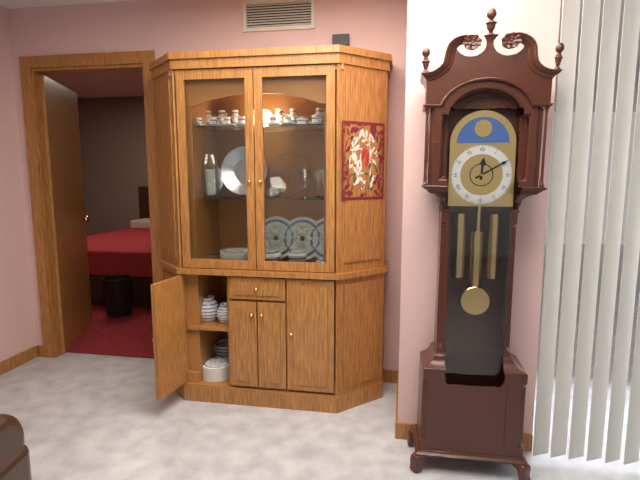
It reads 12:10
